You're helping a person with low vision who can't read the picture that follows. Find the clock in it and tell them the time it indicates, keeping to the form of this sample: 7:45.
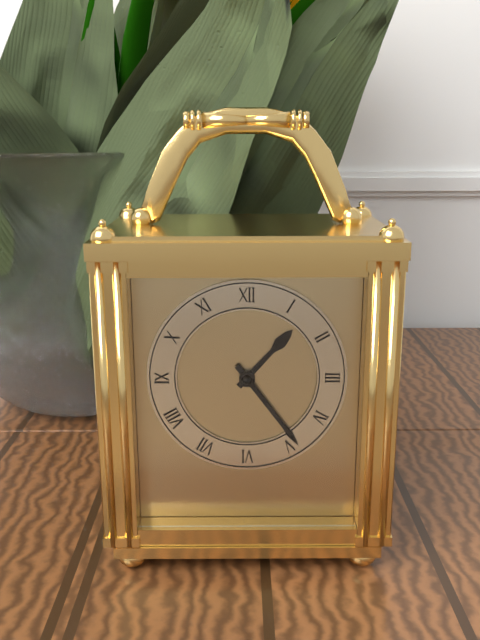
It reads 1:24
